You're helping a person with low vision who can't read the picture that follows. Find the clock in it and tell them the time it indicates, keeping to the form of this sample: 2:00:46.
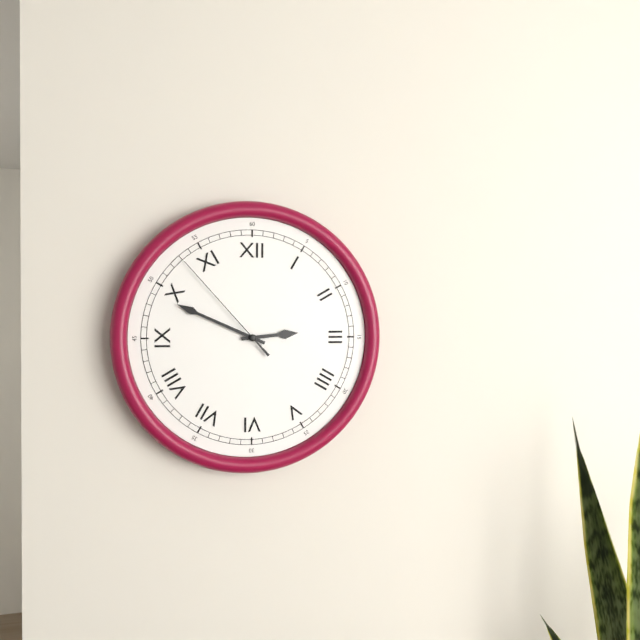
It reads 2:49:53
